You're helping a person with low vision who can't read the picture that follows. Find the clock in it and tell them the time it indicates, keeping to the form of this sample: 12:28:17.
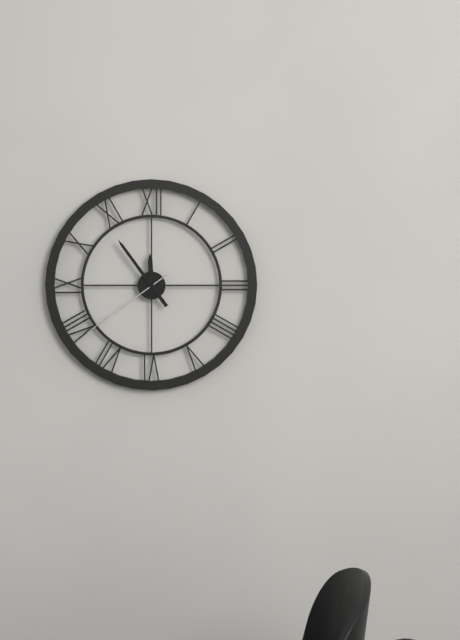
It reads 11:54:39
